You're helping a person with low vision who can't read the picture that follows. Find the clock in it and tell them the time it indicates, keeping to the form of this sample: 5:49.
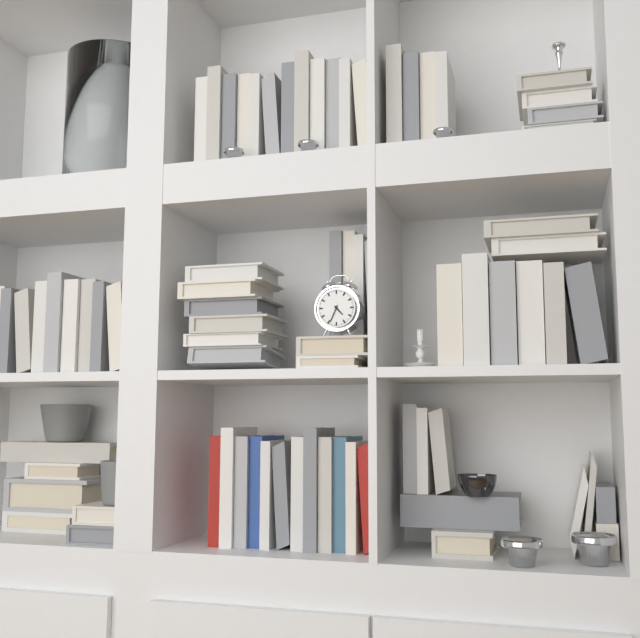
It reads 4:34
